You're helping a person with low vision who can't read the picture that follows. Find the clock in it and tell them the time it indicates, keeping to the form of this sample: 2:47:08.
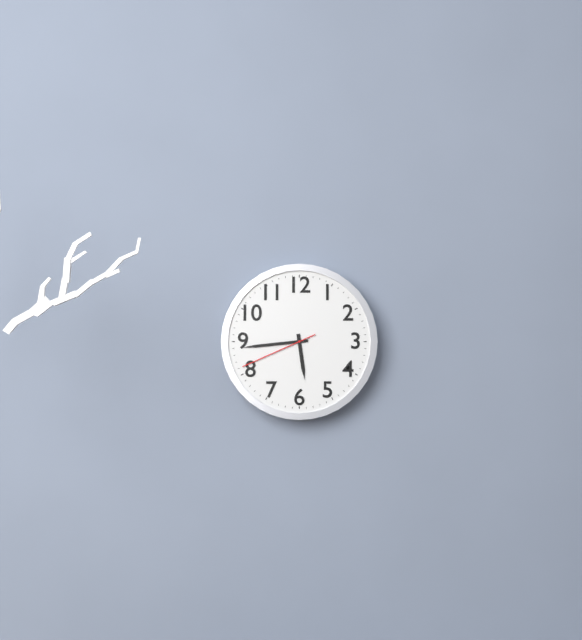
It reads 5:44:41
